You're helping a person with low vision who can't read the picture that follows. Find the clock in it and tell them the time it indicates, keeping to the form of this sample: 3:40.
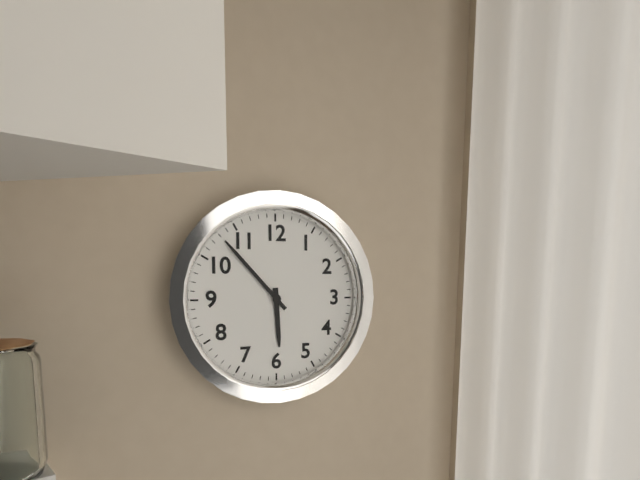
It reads 5:53
